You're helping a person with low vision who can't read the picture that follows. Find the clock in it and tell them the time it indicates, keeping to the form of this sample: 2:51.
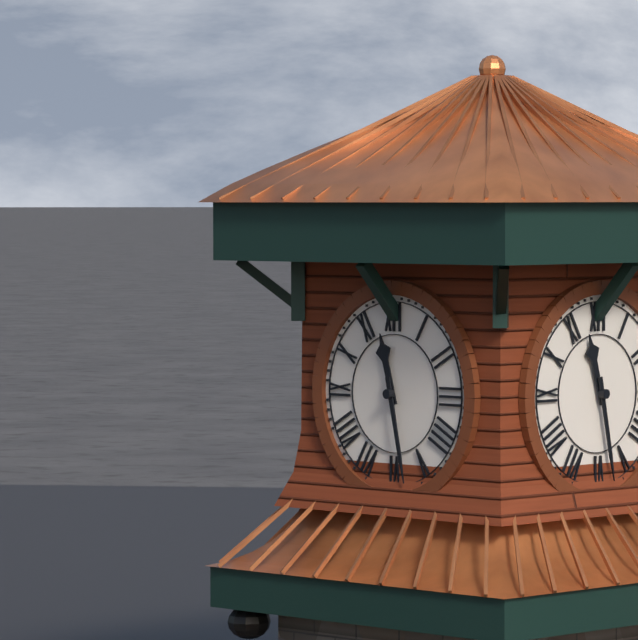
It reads 11:28
